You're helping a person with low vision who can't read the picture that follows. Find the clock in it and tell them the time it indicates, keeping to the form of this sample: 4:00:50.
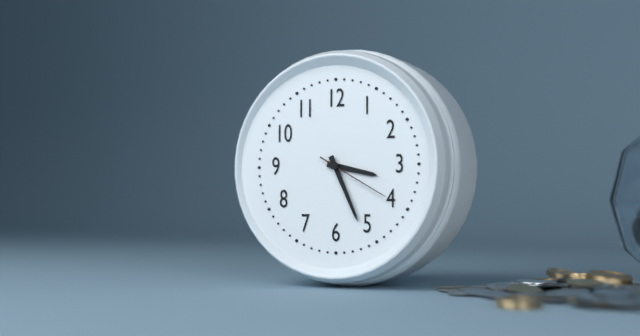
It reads 3:26:20
